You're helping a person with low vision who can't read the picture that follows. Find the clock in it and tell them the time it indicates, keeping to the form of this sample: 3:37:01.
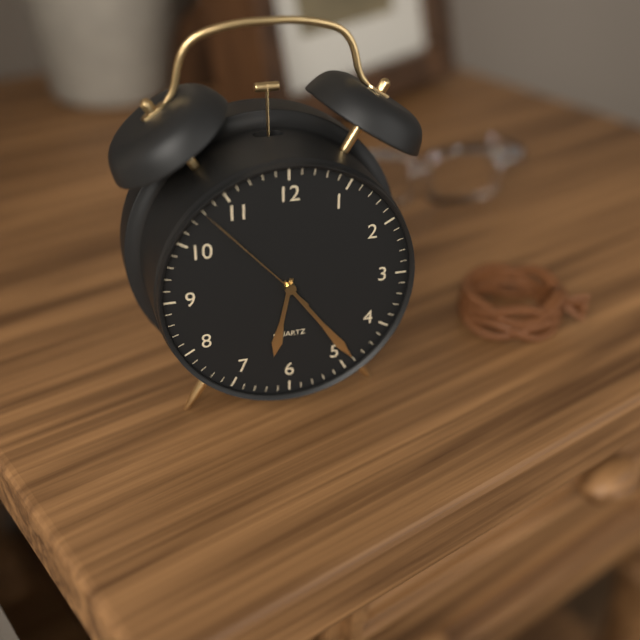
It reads 6:24:53
